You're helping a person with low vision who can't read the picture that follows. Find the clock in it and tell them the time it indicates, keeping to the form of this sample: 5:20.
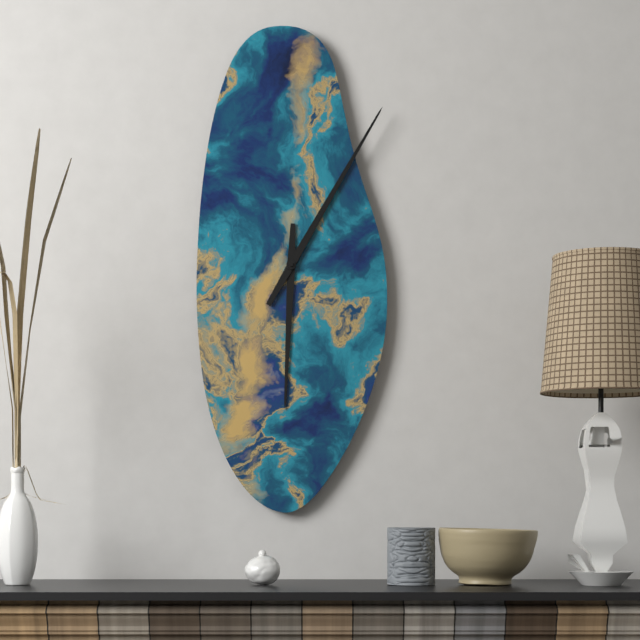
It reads 6:05
